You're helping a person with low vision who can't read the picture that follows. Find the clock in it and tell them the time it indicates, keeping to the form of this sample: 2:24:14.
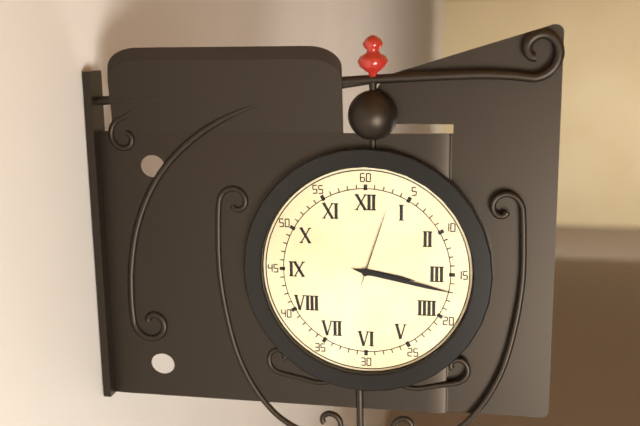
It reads 3:17:03
